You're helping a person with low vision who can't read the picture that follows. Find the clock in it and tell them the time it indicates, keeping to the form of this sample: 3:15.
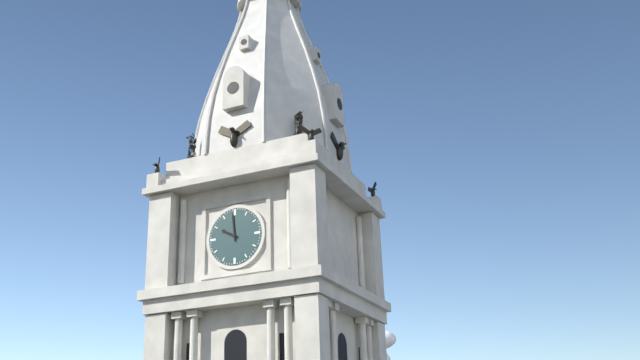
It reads 9:59
